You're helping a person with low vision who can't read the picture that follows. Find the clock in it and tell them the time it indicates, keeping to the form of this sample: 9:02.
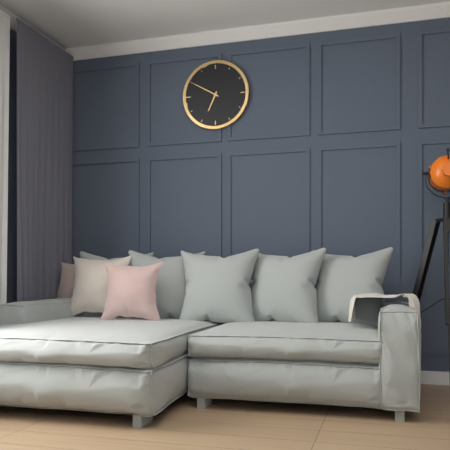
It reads 6:50
